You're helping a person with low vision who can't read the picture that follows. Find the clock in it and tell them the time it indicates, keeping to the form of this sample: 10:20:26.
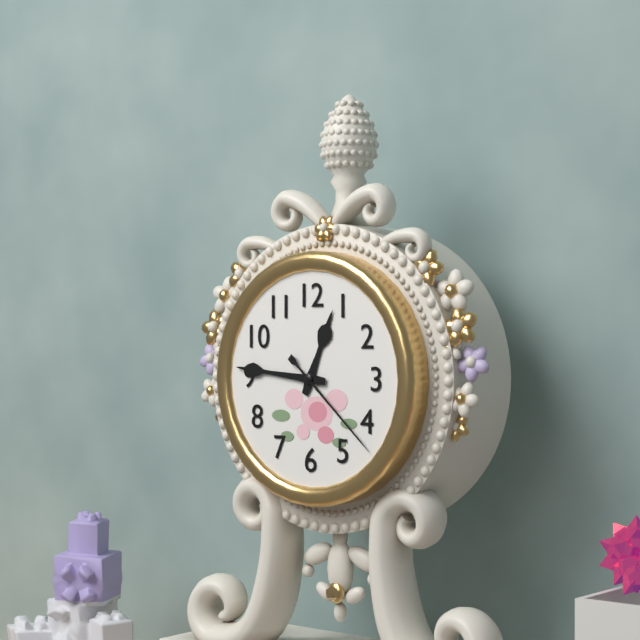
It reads 12:46:22
